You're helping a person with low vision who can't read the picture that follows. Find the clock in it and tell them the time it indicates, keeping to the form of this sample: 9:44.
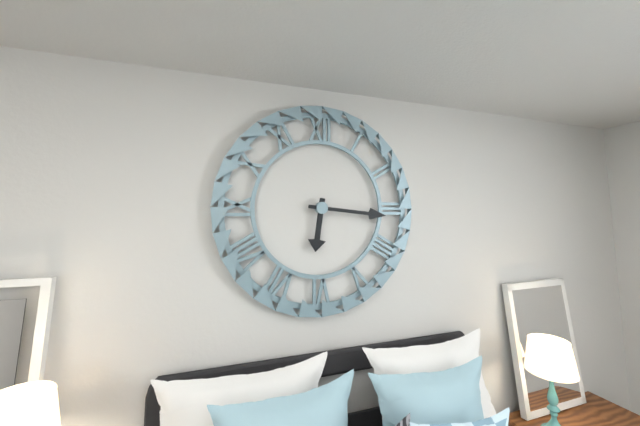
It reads 6:16
